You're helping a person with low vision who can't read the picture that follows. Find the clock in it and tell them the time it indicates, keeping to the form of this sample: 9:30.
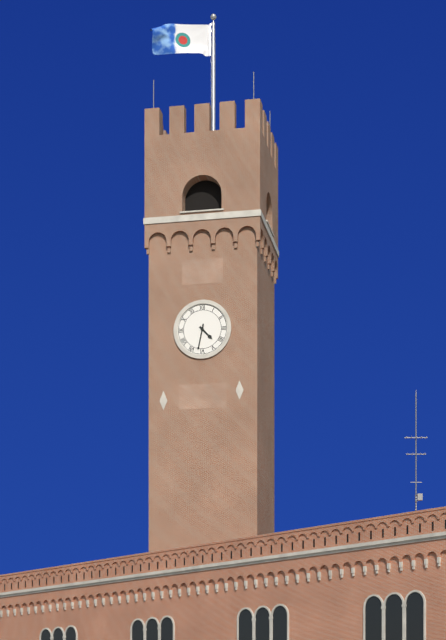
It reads 4:32
